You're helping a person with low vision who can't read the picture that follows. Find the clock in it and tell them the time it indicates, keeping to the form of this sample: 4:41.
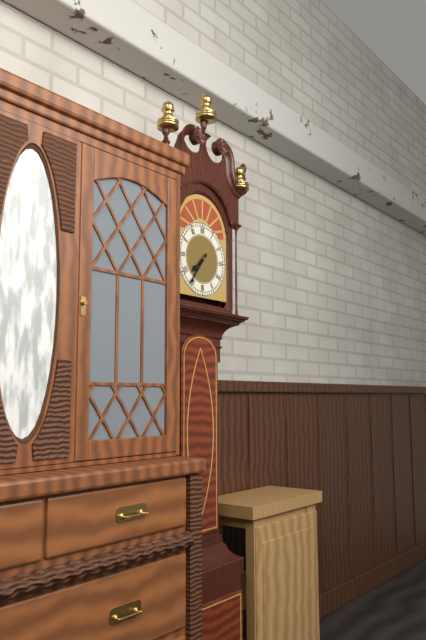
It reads 7:36
